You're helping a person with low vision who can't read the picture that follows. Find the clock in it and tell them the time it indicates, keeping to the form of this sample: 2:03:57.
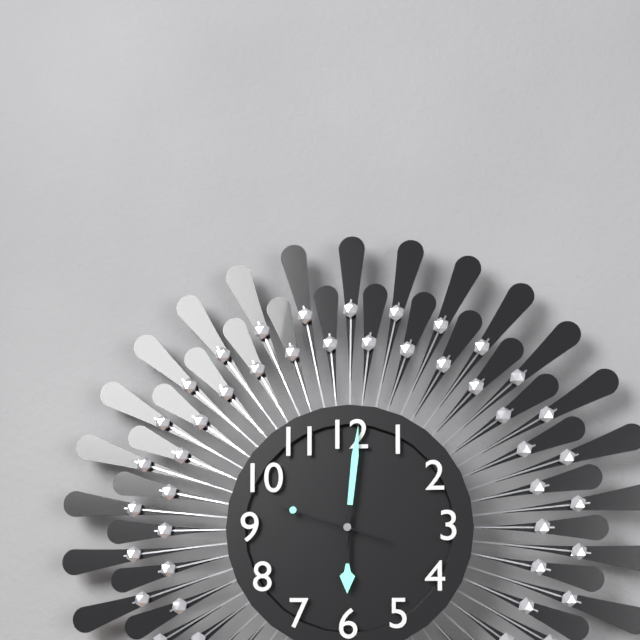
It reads 6:01:48
